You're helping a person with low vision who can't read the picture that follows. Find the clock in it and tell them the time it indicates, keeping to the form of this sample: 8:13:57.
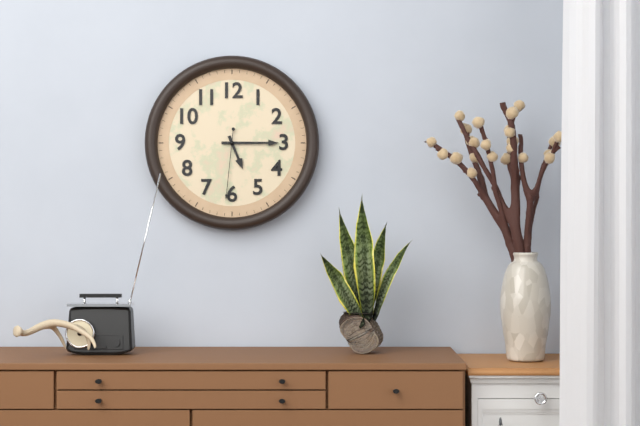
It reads 5:15:31
